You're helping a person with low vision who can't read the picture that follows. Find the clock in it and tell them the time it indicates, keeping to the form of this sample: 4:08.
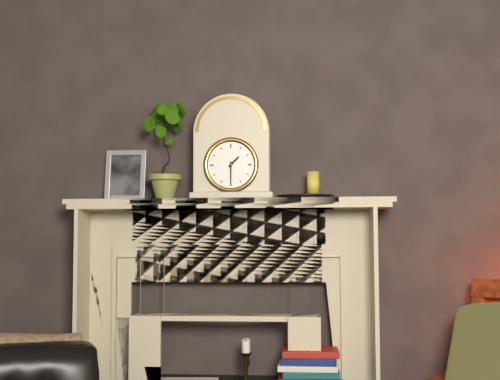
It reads 1:30
